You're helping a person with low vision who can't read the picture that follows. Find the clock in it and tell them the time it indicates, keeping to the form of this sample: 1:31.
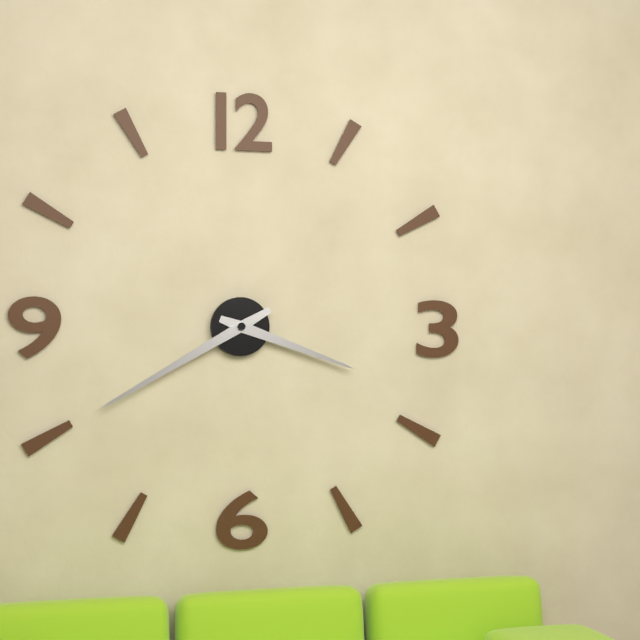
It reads 3:40
